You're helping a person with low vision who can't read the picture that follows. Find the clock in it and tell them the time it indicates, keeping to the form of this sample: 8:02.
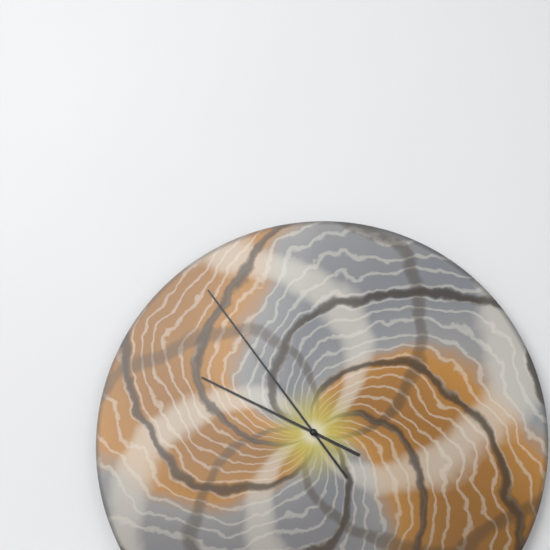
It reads 9:54
